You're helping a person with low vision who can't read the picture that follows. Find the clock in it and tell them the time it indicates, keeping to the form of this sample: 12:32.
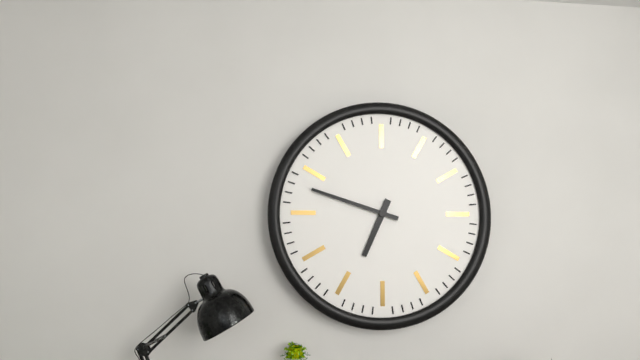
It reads 6:48
